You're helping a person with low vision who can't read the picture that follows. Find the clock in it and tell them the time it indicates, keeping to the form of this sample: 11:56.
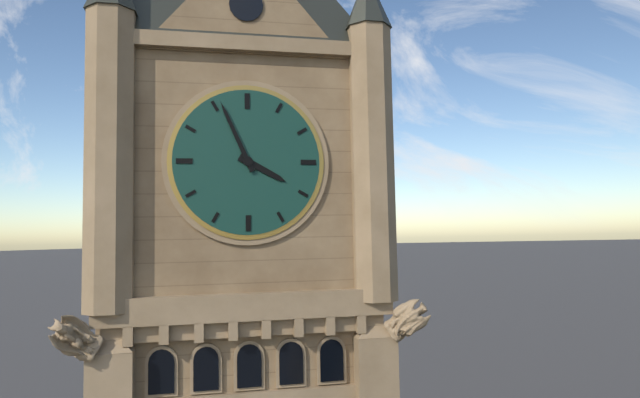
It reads 3:56
